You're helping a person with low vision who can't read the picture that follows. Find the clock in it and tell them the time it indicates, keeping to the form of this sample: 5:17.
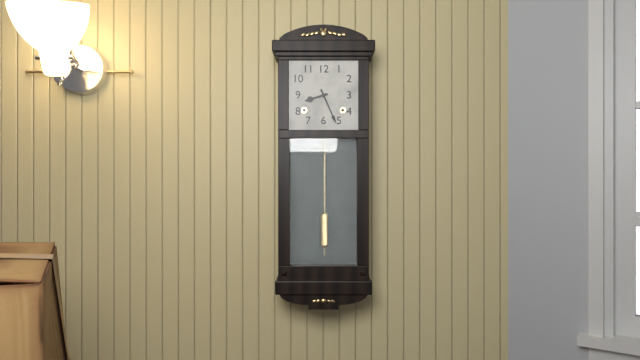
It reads 8:26
